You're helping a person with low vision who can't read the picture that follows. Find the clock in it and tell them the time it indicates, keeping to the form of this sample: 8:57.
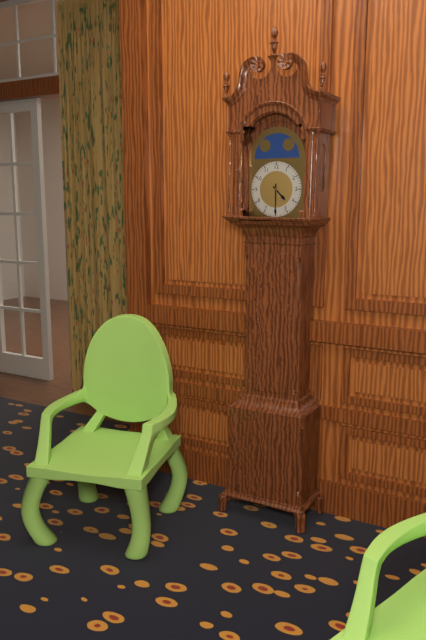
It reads 4:30
